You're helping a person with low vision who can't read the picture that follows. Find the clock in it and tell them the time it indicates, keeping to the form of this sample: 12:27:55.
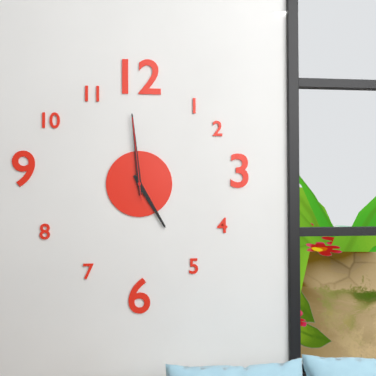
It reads 4:59:59
